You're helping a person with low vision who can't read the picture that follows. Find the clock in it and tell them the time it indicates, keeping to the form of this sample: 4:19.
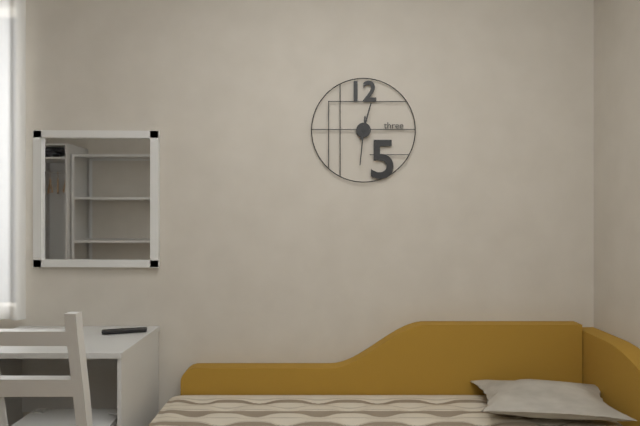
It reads 12:31
